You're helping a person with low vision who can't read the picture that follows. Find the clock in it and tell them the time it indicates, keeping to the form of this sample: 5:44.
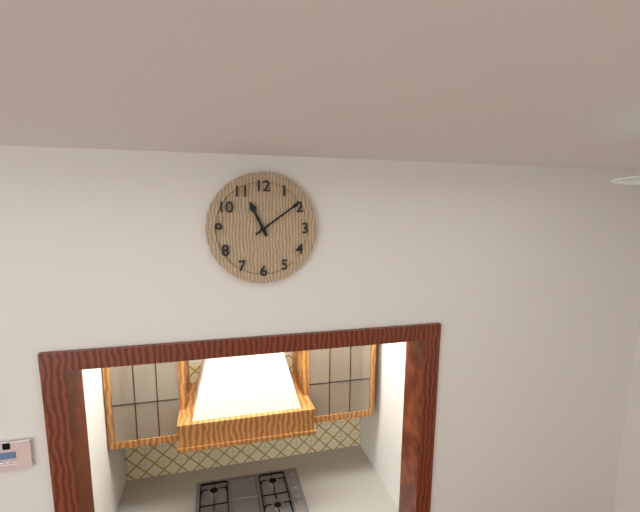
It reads 11:09
